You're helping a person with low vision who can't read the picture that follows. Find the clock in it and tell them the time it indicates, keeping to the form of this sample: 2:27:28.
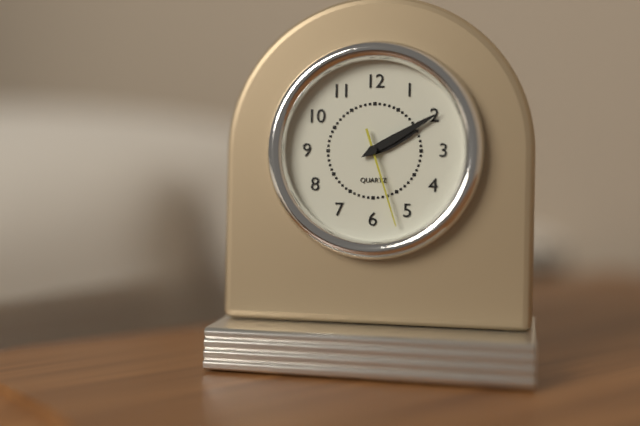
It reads 2:10:27
